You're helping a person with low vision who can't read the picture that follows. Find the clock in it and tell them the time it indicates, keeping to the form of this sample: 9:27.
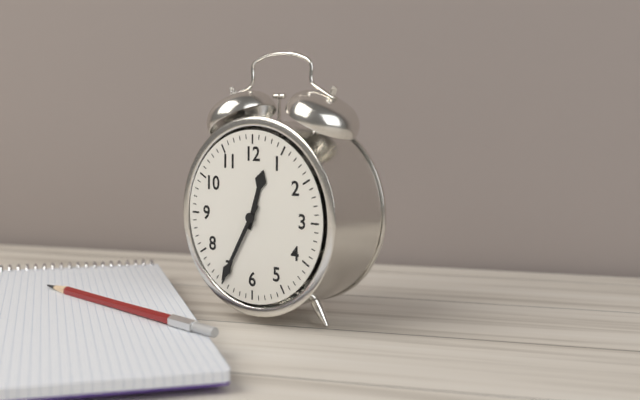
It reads 12:35
